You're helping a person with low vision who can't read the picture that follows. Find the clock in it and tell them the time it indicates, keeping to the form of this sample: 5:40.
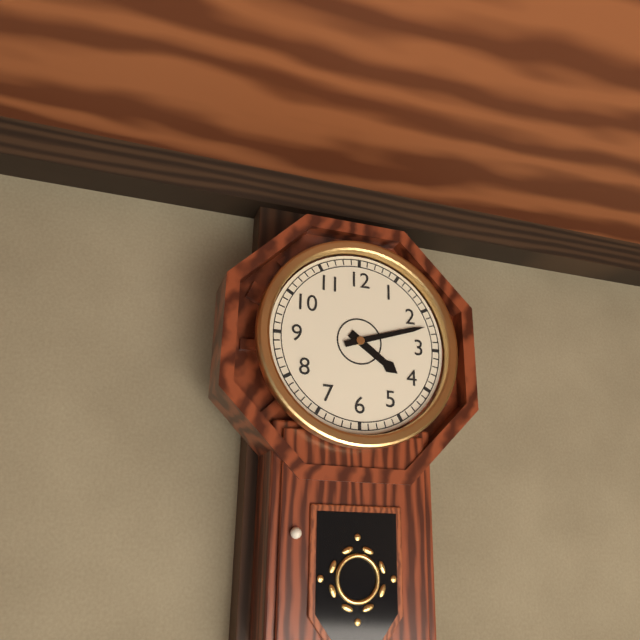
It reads 4:12
